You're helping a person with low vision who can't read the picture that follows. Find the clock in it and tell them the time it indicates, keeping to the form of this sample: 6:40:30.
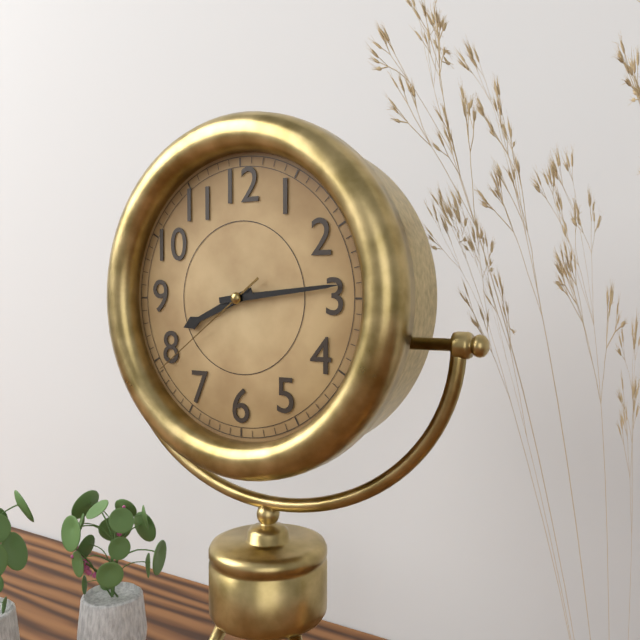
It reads 8:14:39
